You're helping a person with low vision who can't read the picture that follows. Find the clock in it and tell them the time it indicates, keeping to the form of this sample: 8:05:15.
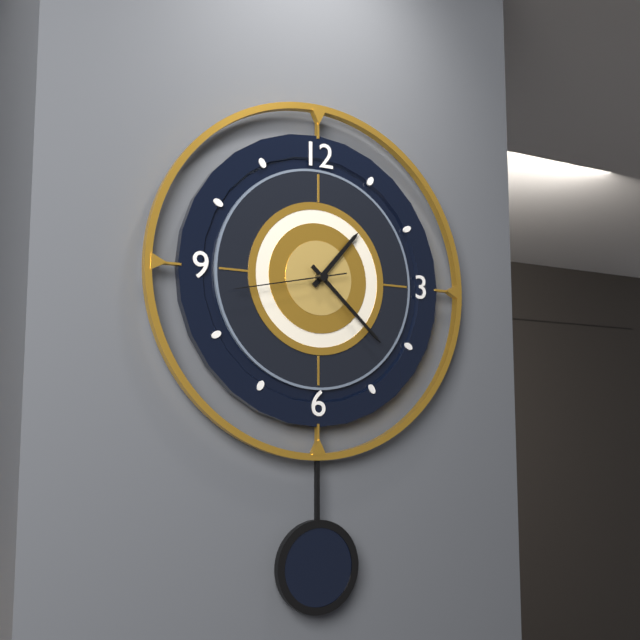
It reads 1:22:43
